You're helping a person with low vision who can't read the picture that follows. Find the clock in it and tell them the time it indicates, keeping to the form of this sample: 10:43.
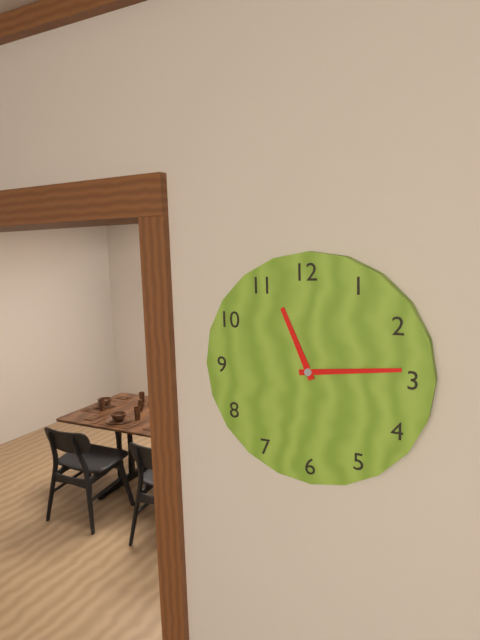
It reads 11:14
